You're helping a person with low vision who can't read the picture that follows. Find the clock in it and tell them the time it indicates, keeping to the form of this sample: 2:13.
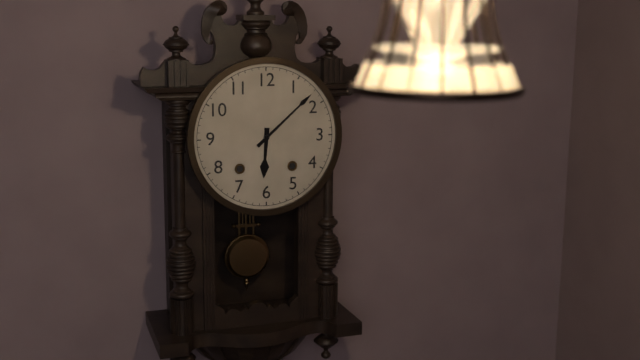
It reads 6:08
